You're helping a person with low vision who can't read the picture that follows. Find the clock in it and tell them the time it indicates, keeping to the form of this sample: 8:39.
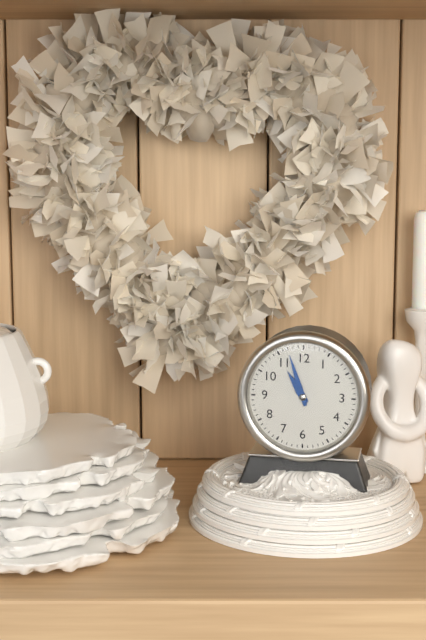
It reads 10:57
